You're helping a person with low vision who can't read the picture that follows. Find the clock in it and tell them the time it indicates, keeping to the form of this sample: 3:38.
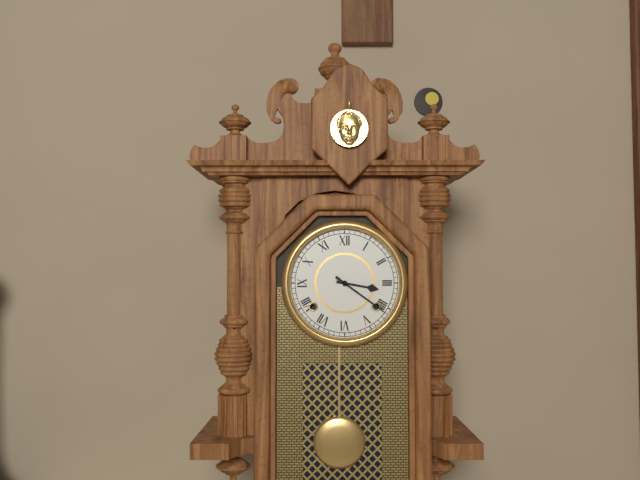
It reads 3:21
